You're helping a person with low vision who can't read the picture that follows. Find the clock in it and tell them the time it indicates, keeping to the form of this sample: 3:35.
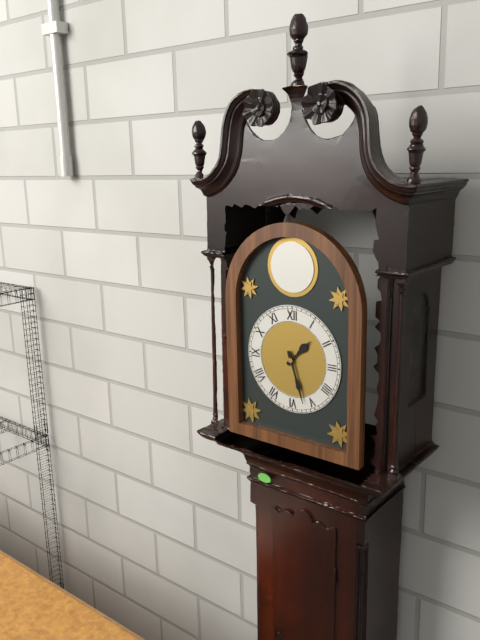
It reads 1:27
